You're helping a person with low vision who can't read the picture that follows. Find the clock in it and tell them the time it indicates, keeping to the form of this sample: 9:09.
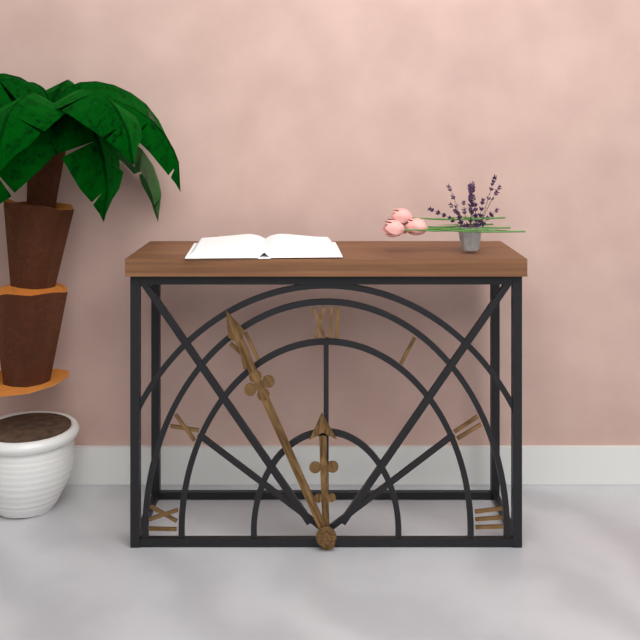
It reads 11:56
